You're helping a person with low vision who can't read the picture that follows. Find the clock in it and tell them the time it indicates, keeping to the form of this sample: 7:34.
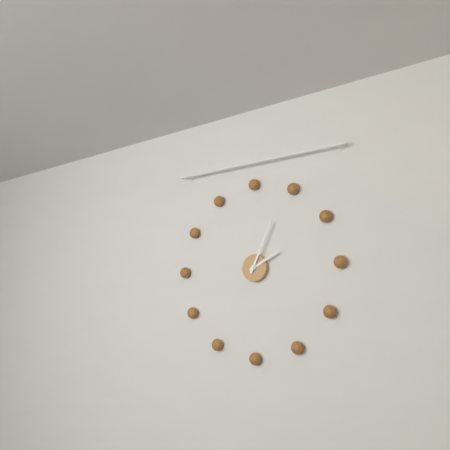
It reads 2:04
